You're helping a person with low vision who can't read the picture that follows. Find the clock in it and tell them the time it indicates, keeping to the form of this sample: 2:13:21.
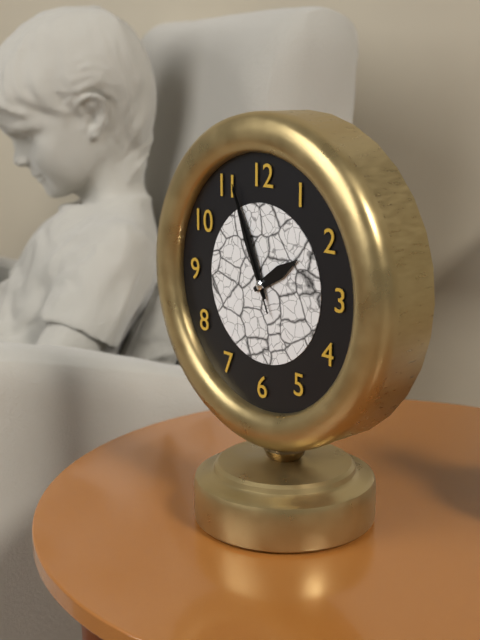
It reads 1:56:56
